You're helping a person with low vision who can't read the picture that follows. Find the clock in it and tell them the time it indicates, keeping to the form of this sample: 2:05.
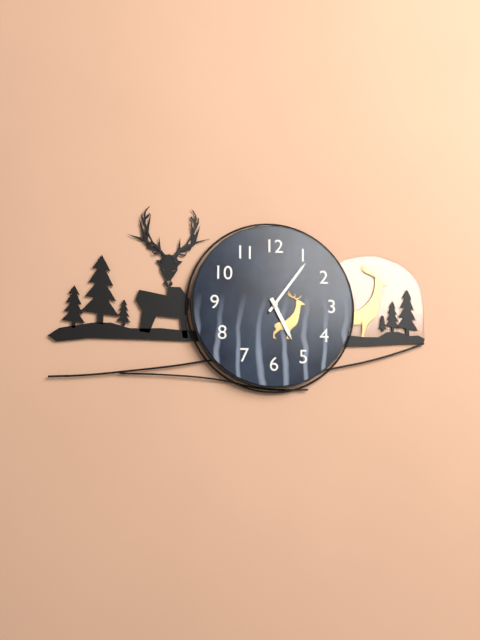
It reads 5:06
